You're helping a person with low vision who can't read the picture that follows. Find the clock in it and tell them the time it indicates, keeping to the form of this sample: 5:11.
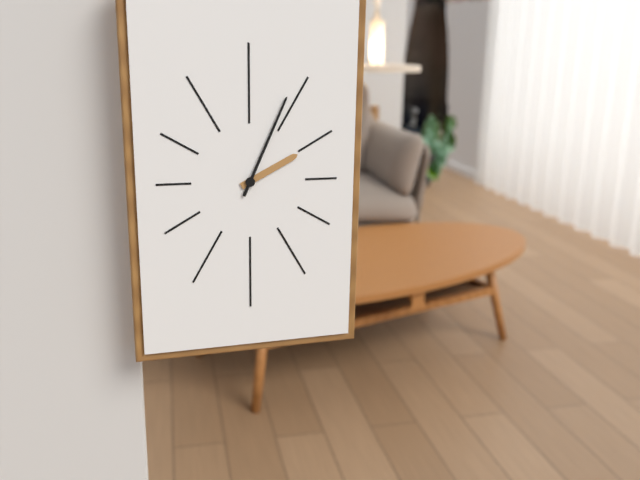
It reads 2:04
